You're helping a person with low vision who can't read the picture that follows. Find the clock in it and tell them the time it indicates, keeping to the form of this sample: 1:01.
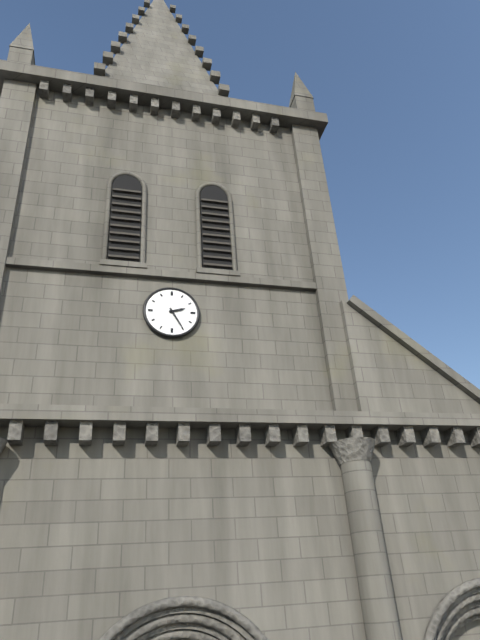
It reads 2:25
